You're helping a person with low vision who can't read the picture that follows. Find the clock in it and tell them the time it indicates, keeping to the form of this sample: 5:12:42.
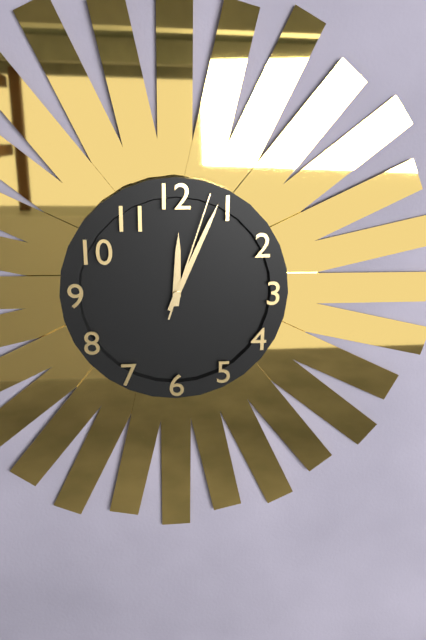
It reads 12:04:03
